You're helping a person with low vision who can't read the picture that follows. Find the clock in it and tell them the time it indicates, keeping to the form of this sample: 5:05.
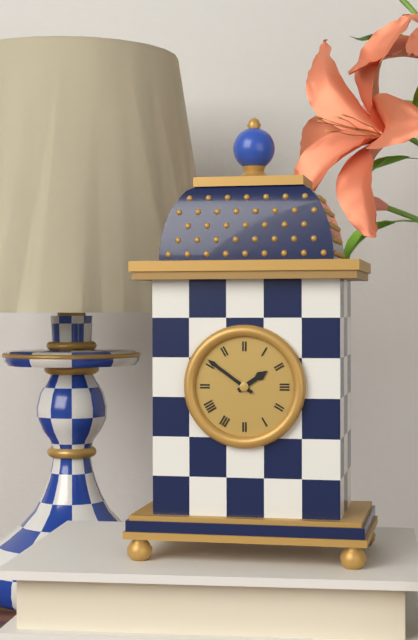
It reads 1:51
